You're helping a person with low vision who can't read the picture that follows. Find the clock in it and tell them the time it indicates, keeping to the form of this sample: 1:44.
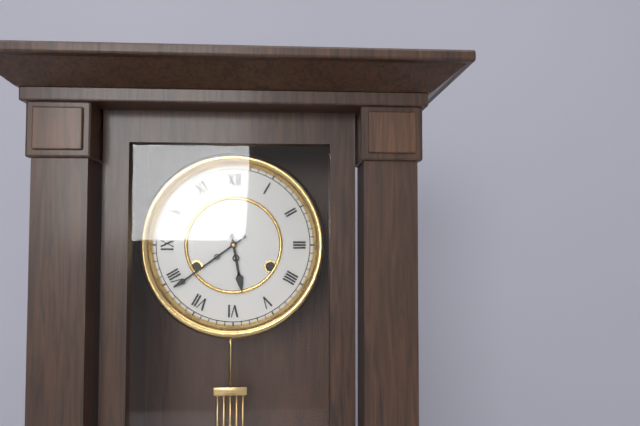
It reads 5:39
